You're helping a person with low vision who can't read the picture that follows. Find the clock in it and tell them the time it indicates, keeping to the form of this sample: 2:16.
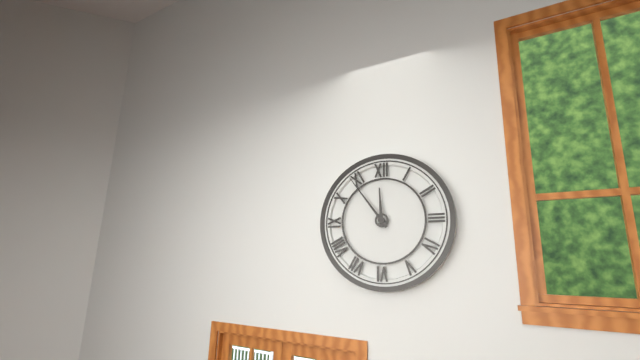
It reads 11:54
